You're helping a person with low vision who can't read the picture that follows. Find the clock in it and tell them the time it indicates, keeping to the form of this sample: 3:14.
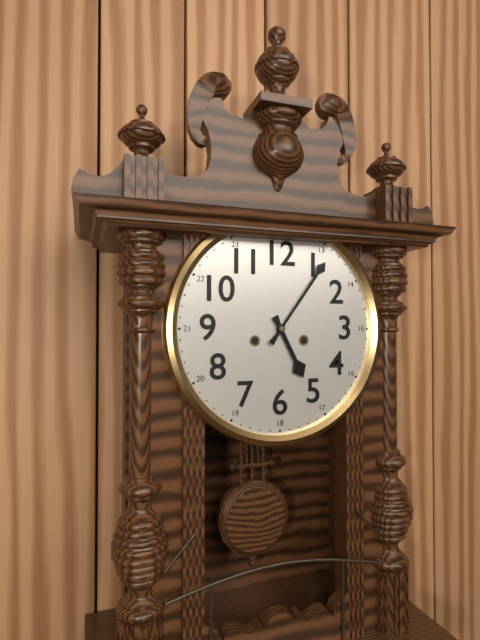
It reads 5:06
